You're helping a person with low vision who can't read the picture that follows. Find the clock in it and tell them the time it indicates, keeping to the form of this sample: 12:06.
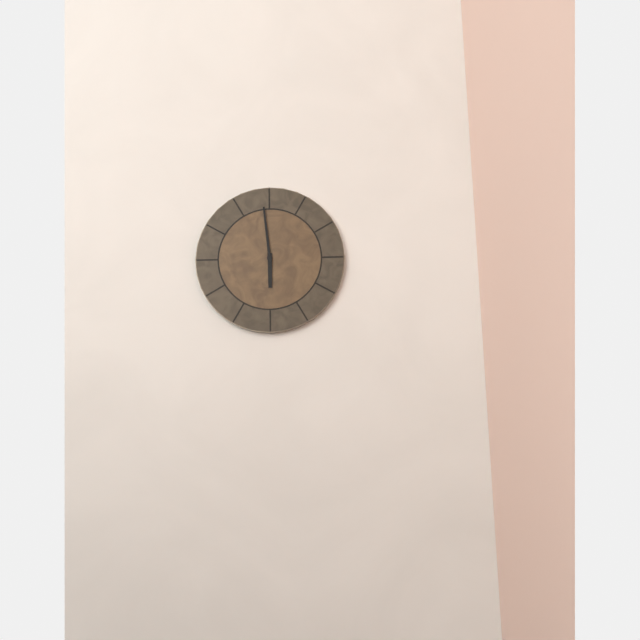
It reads 5:59
